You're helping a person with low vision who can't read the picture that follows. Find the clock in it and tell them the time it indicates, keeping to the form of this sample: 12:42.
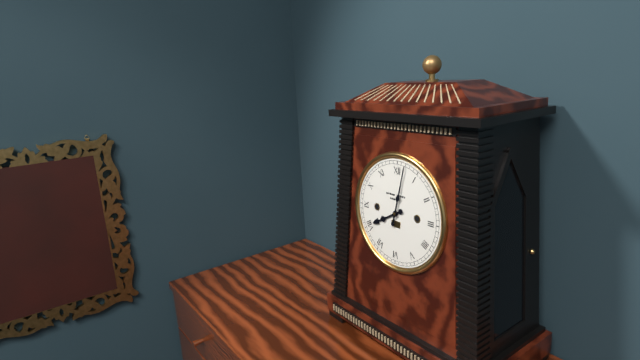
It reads 8:02
